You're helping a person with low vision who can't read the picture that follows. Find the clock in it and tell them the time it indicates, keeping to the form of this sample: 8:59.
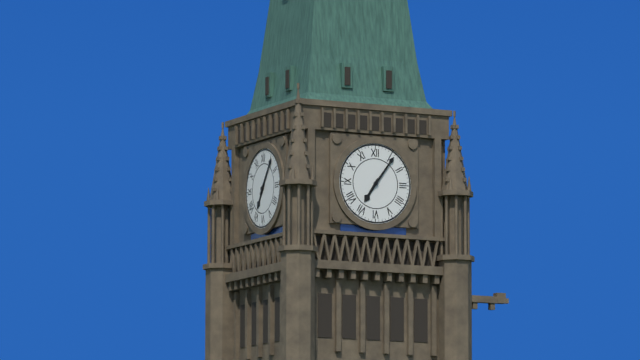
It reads 7:06
